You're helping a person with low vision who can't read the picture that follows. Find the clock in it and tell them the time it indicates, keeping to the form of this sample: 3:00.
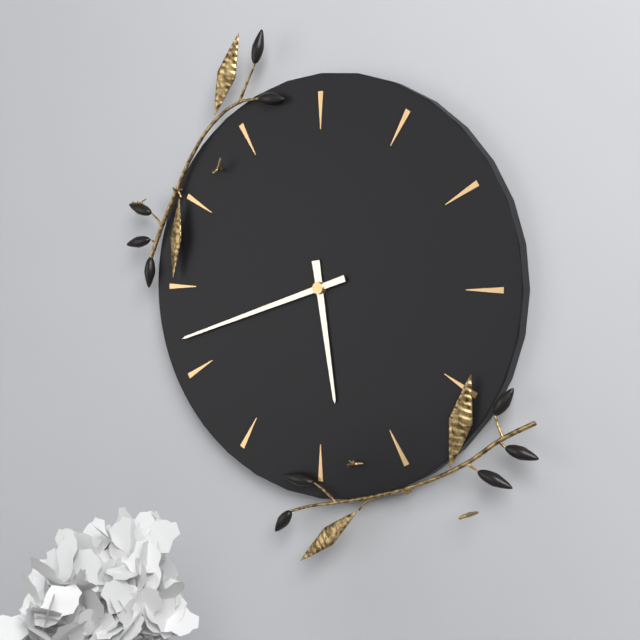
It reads 5:42
